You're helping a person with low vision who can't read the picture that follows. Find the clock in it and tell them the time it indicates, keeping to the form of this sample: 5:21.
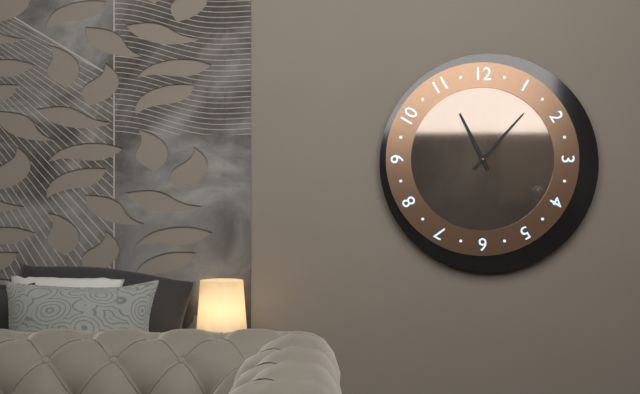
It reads 11:07
